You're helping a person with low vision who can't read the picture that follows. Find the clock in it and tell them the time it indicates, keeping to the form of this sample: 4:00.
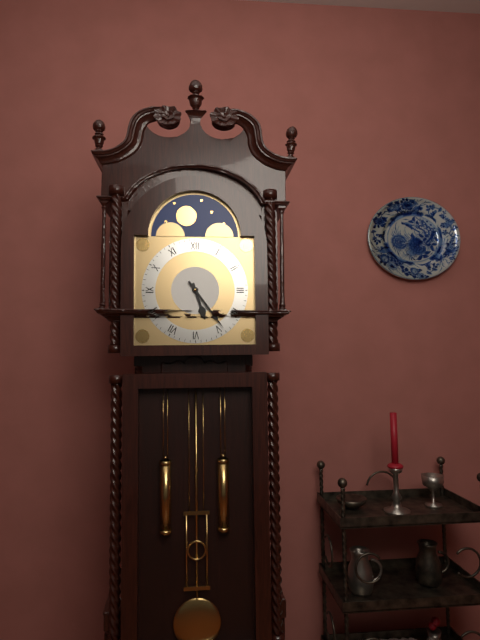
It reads 5:24
